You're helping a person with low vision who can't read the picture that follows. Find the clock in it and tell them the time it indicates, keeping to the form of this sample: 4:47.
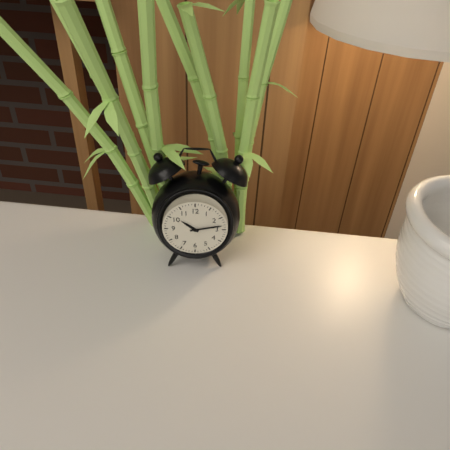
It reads 10:13
